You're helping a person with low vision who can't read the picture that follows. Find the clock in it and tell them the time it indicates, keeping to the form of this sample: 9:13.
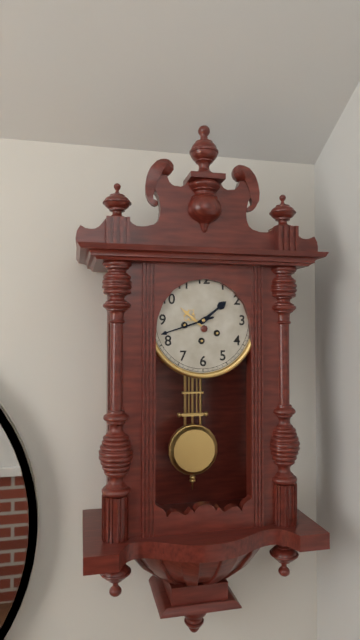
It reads 1:42
